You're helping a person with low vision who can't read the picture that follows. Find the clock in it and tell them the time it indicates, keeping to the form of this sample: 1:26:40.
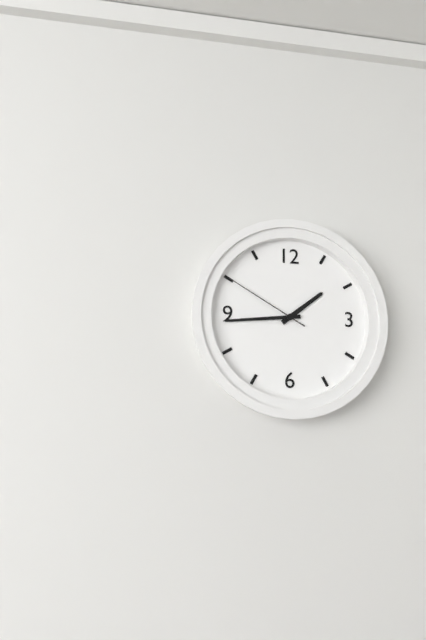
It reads 1:44:50
